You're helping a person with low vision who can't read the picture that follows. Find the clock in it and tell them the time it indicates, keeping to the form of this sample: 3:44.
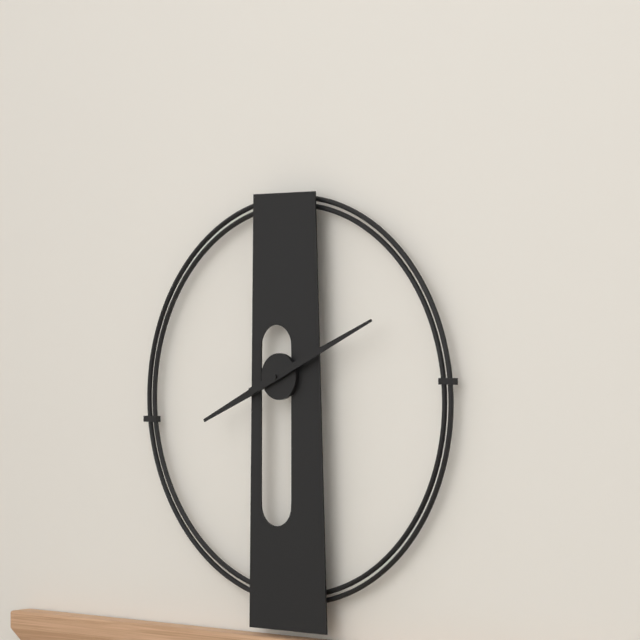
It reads 8:11
